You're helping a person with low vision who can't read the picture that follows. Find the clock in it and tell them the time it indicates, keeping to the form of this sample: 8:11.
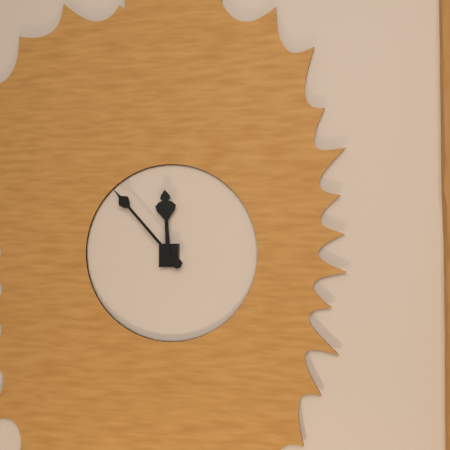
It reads 11:53
